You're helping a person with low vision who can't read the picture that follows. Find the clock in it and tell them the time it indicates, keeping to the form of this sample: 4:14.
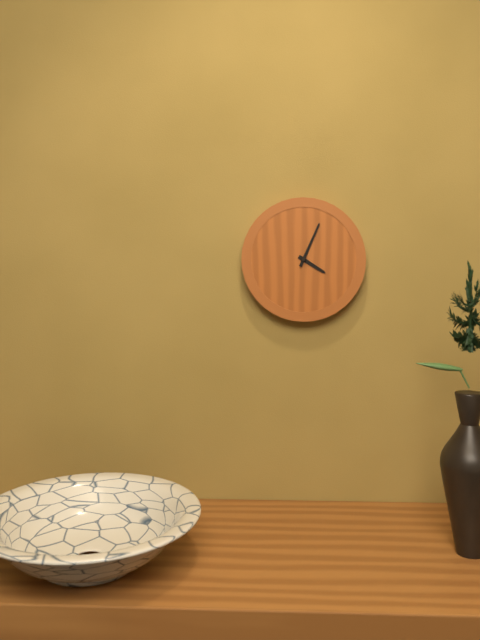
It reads 4:04
